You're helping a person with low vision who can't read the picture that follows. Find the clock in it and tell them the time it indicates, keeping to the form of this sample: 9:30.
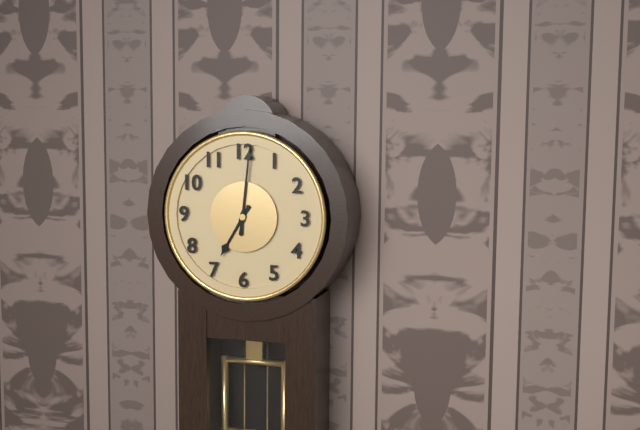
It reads 7:01
